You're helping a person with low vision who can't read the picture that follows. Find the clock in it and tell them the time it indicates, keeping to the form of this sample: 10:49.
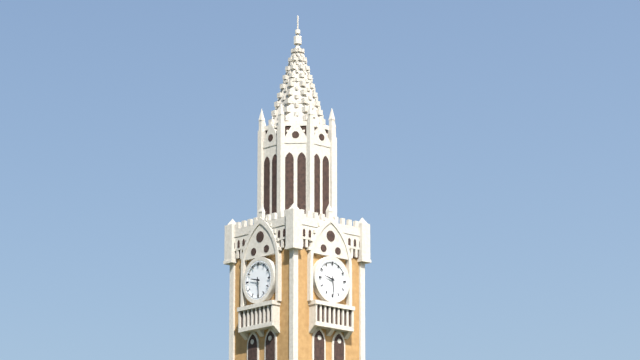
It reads 9:29
